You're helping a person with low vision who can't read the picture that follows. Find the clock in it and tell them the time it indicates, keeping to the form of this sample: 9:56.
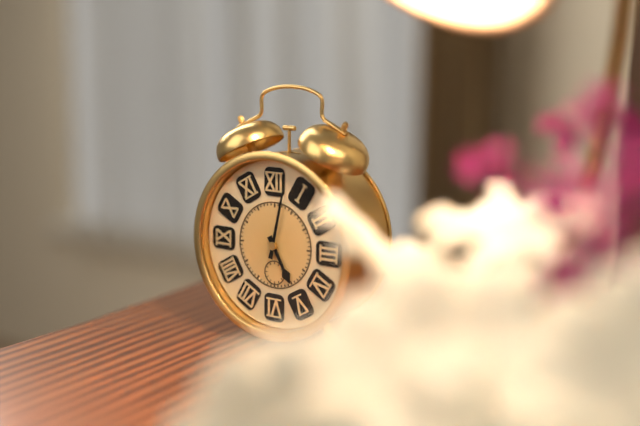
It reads 5:02
